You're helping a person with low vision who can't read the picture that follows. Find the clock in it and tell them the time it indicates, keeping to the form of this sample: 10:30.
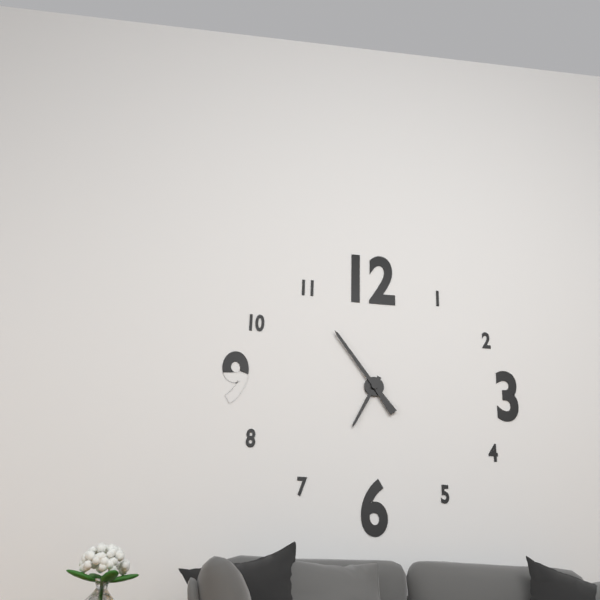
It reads 6:54
